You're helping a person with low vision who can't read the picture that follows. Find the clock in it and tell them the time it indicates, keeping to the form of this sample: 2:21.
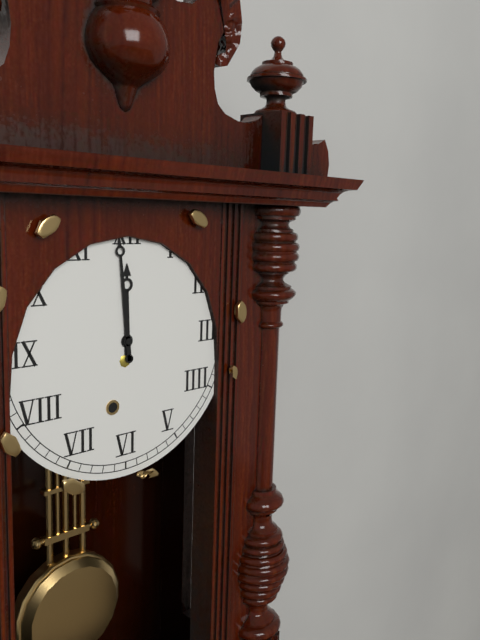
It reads 11:59
